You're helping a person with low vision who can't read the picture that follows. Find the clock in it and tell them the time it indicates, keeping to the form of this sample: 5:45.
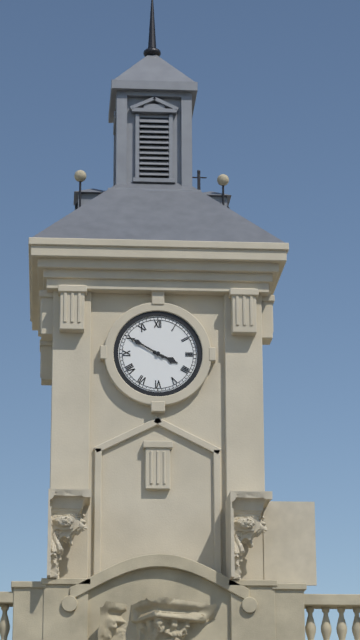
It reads 3:50
